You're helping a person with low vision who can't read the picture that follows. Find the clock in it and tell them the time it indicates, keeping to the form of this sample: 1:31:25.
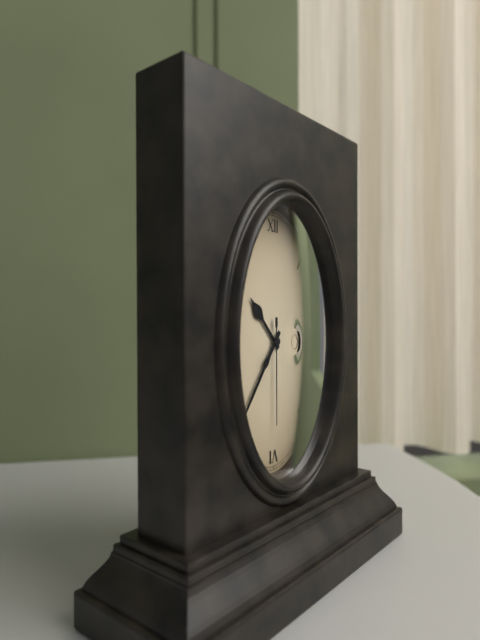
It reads 10:36:30
